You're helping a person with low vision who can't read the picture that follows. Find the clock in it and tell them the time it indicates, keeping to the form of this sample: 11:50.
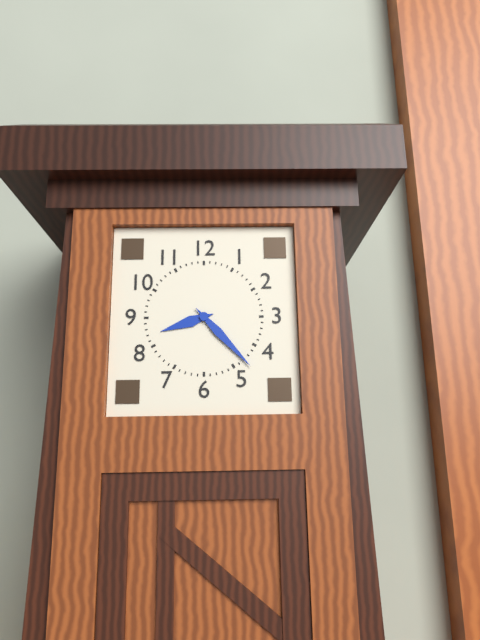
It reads 8:23
